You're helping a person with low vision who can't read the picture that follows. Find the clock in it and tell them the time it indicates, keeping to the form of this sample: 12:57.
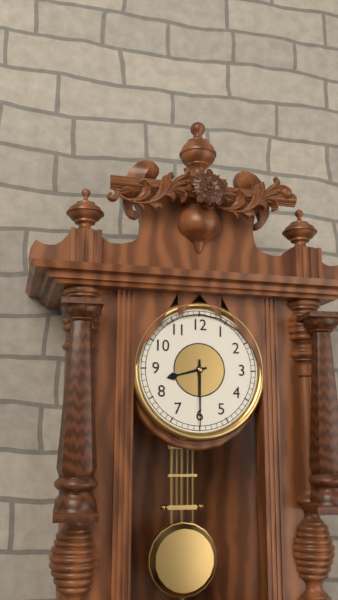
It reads 8:30
